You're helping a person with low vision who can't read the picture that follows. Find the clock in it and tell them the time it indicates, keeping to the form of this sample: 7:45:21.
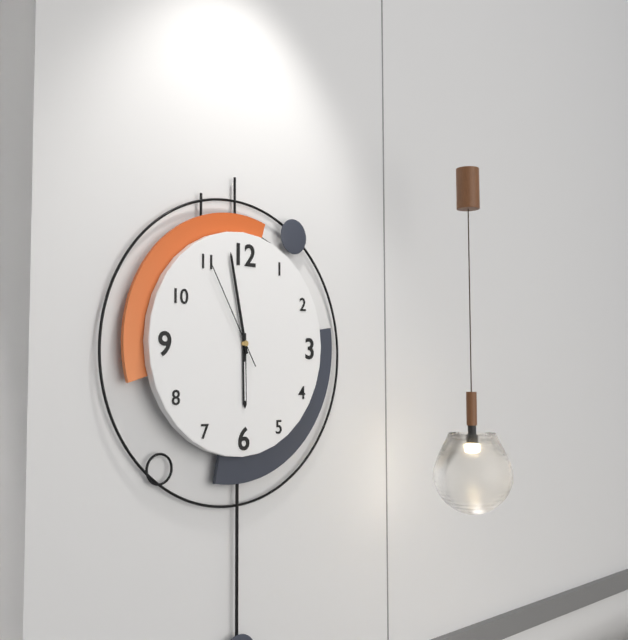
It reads 5:58:55
